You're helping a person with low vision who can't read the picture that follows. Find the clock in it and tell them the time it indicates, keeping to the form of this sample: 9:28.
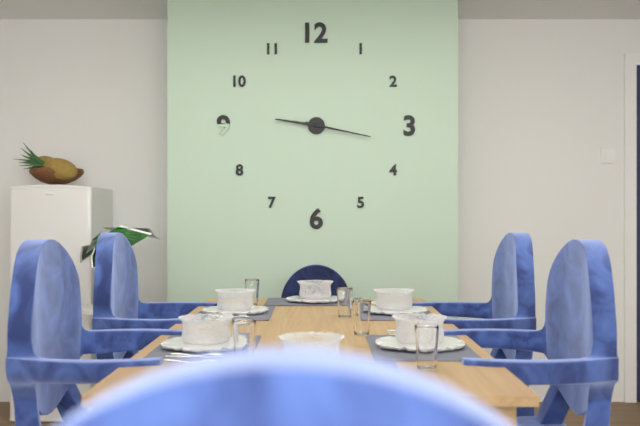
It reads 9:17
